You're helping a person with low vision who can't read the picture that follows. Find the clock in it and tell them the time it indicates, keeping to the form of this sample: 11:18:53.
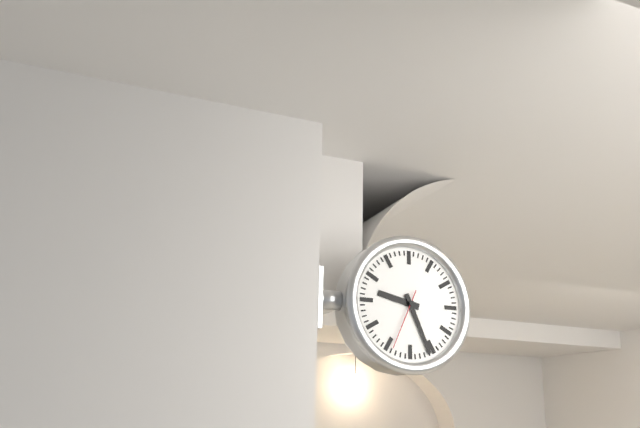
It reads 9:26:34
